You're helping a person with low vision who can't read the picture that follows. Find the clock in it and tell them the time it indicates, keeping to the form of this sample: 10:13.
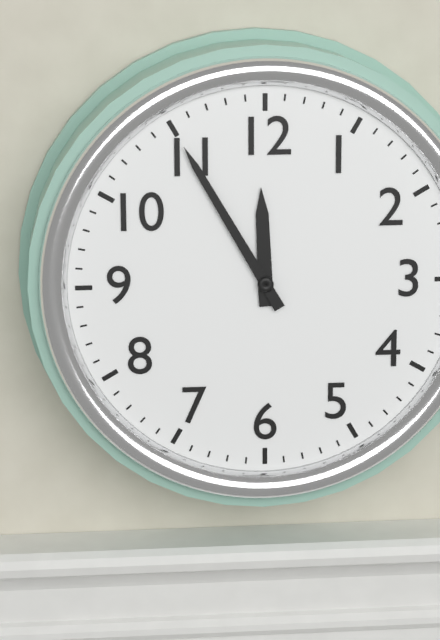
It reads 11:55
